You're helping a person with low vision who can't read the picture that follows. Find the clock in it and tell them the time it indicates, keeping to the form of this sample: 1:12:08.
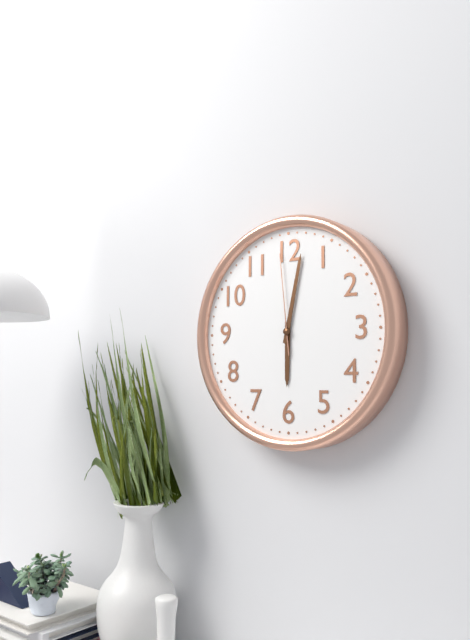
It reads 6:02:59
